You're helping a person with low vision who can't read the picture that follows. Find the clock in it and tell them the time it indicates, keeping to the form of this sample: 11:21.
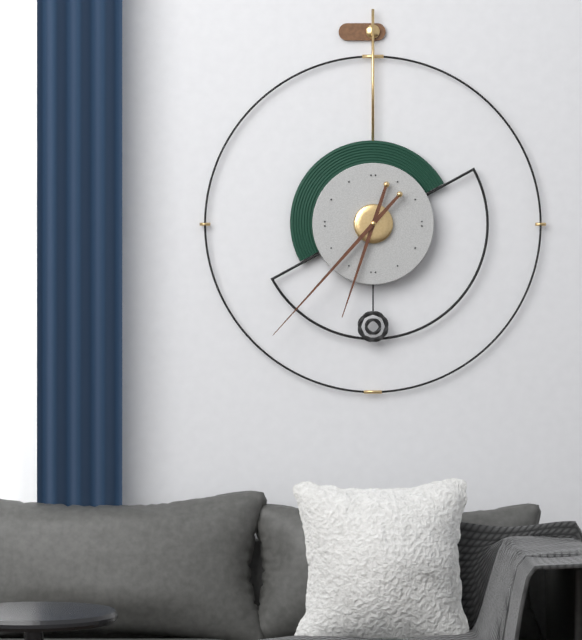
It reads 6:37
